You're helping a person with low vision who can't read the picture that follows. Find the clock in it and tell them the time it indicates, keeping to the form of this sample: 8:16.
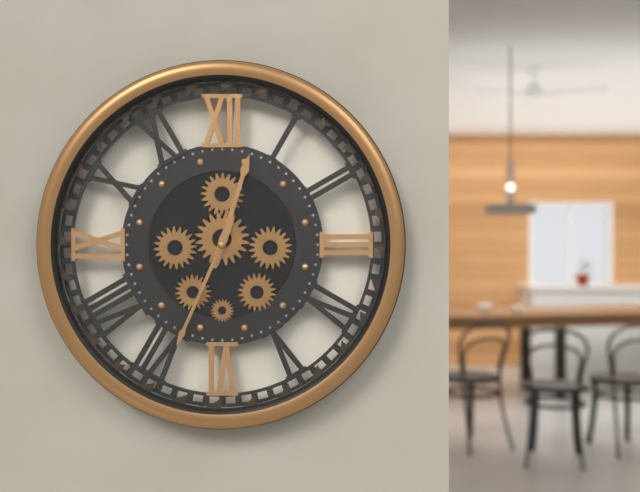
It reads 12:34
